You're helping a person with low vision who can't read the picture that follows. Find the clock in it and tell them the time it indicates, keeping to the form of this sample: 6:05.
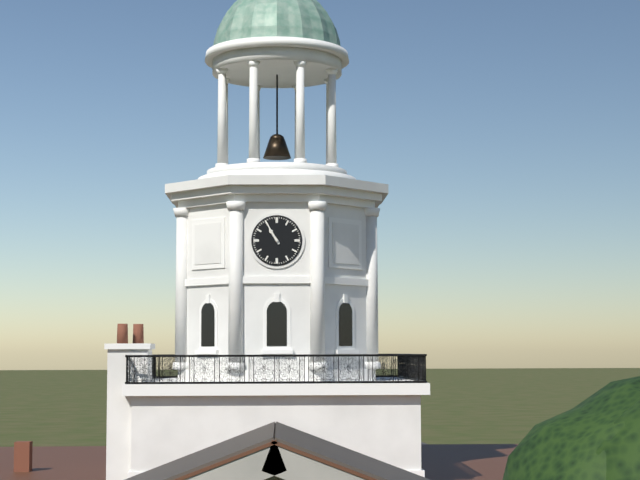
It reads 10:55
